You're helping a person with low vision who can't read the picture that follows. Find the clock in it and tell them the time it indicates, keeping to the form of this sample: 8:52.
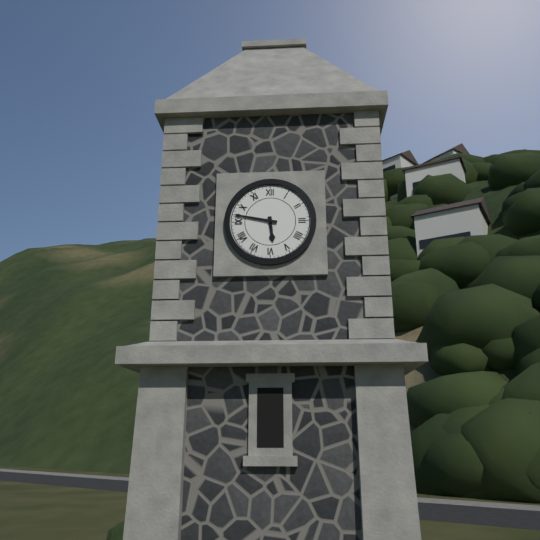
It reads 5:47
